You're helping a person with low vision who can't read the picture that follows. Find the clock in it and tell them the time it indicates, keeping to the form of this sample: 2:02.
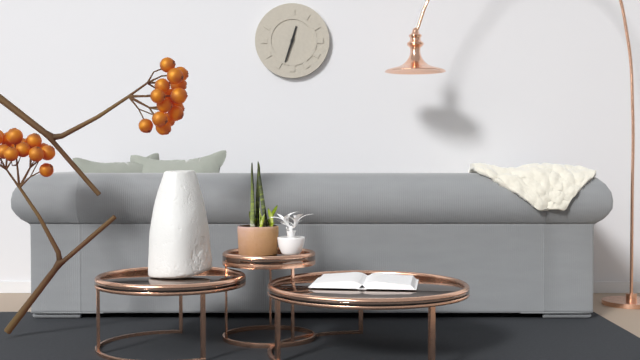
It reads 12:33
